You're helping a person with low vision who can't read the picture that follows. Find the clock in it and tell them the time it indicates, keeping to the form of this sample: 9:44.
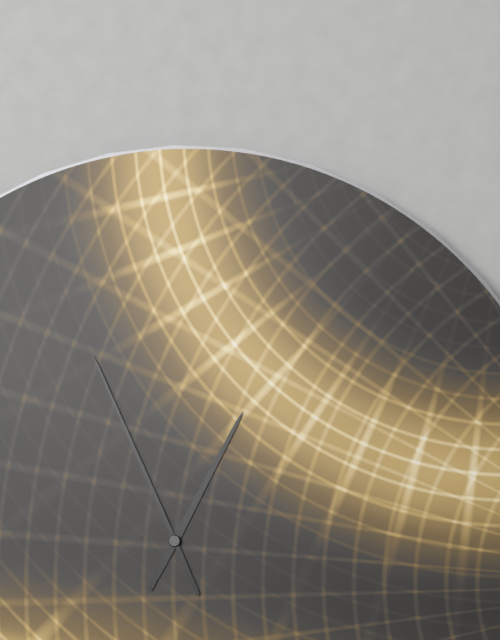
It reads 12:56
